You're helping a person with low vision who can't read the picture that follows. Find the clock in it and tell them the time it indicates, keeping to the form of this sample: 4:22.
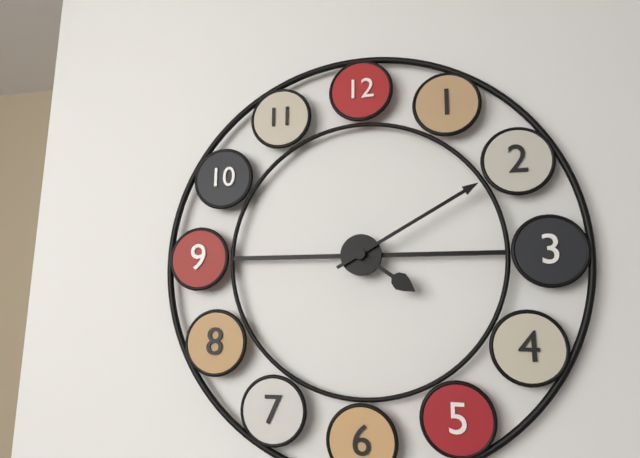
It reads 4:10
